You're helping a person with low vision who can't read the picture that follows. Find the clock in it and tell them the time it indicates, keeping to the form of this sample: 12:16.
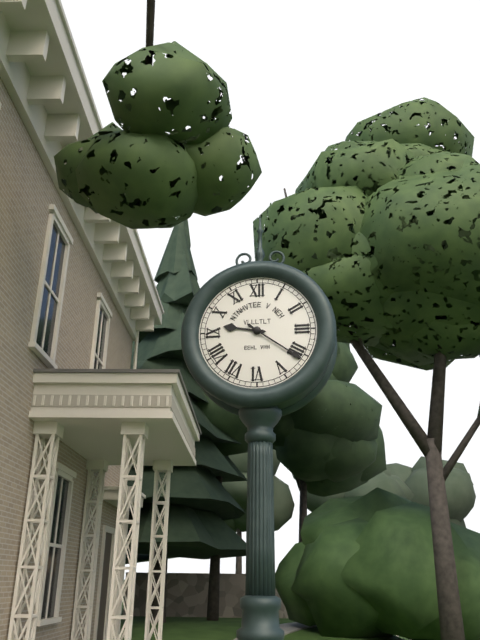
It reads 9:21
